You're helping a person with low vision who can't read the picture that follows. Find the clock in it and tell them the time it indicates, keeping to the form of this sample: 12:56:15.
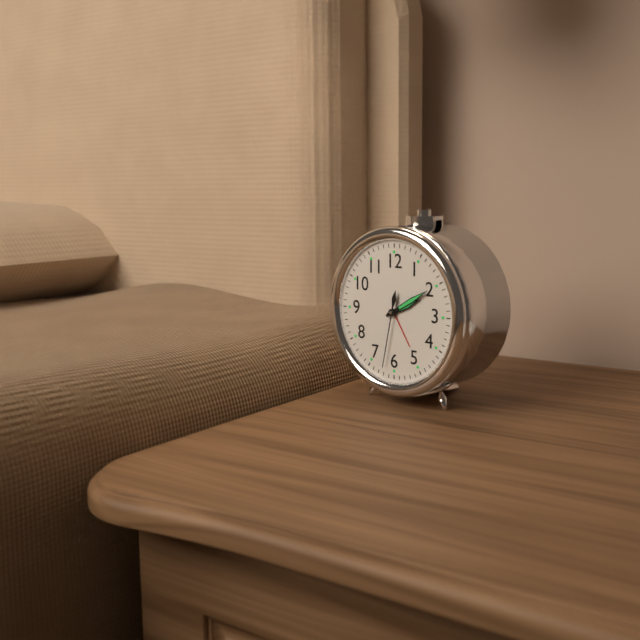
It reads 2:10:32
